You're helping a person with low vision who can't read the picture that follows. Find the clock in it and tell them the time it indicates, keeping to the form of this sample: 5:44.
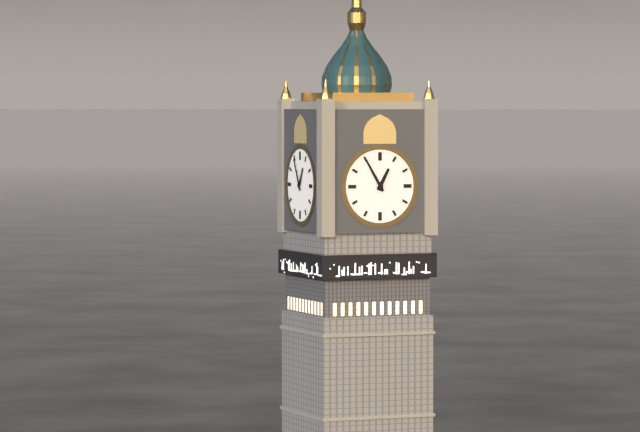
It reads 12:55
